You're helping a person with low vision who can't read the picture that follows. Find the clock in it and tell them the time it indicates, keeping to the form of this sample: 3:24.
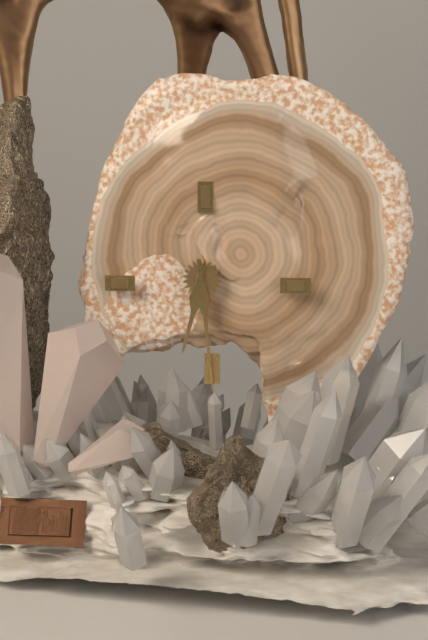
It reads 6:29
